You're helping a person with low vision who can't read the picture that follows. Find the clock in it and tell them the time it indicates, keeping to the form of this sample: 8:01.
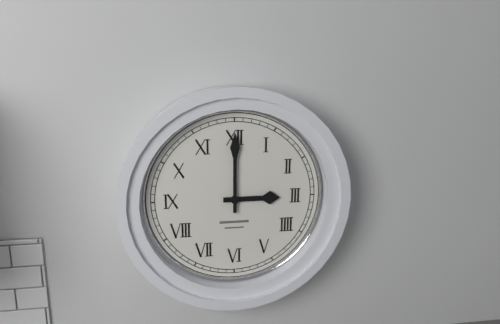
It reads 3:00
